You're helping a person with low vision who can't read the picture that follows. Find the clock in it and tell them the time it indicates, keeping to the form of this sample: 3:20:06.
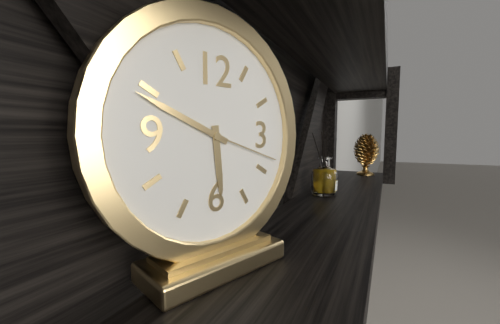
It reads 5:49:18
